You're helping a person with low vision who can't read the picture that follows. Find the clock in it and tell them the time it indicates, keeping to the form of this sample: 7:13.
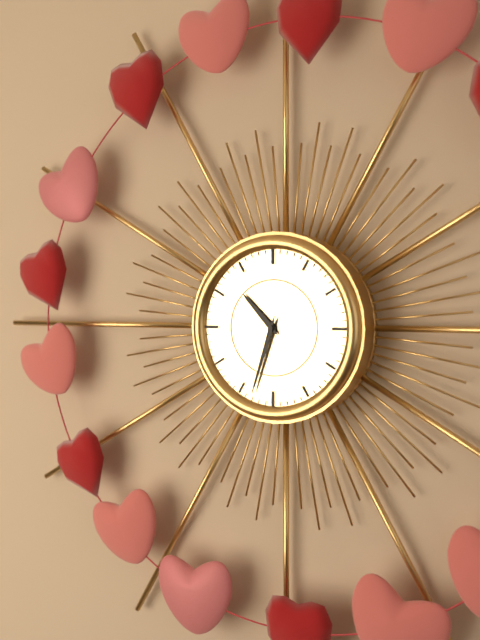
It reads 10:33
